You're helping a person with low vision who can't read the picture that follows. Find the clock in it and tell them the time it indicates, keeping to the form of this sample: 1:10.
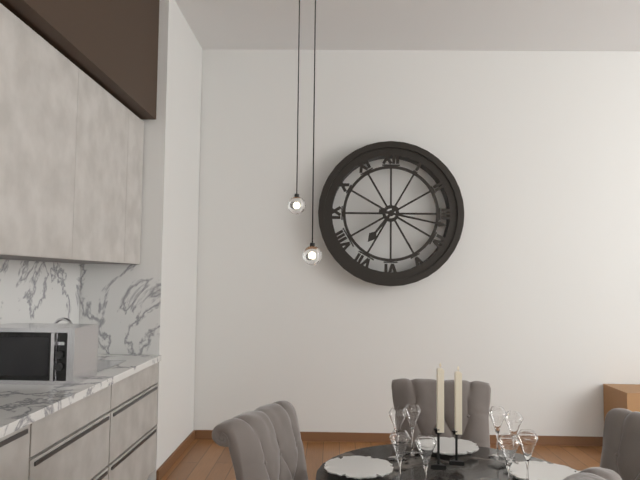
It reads 7:17
